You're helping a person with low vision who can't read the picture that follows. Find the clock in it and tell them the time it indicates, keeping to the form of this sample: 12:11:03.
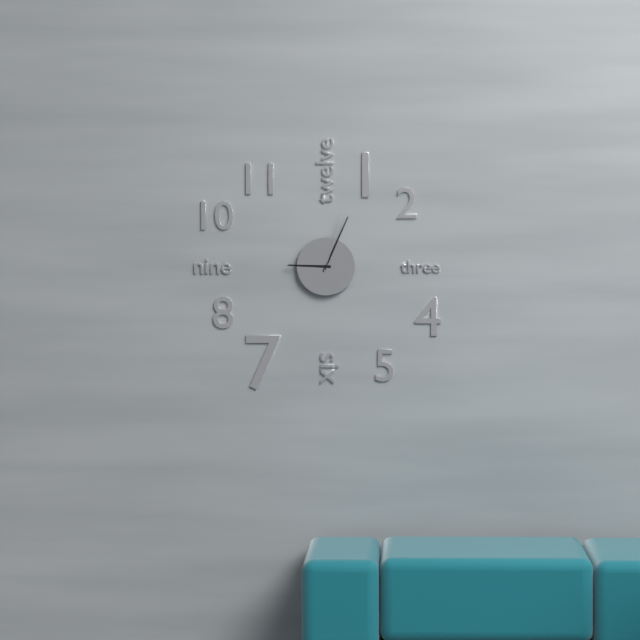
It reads 9:04:03
